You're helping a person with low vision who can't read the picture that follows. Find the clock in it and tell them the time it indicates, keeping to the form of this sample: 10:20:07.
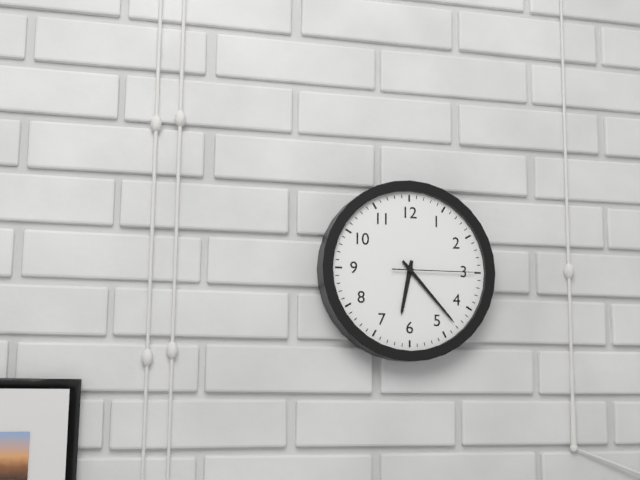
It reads 6:23:15
